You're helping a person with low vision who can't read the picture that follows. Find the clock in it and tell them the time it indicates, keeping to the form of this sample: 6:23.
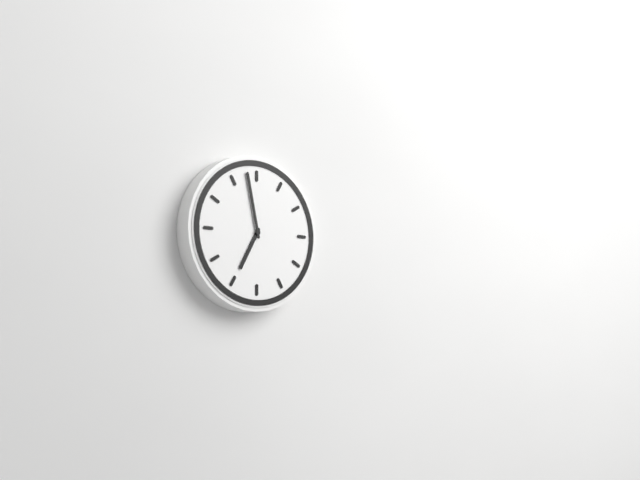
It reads 6:58
